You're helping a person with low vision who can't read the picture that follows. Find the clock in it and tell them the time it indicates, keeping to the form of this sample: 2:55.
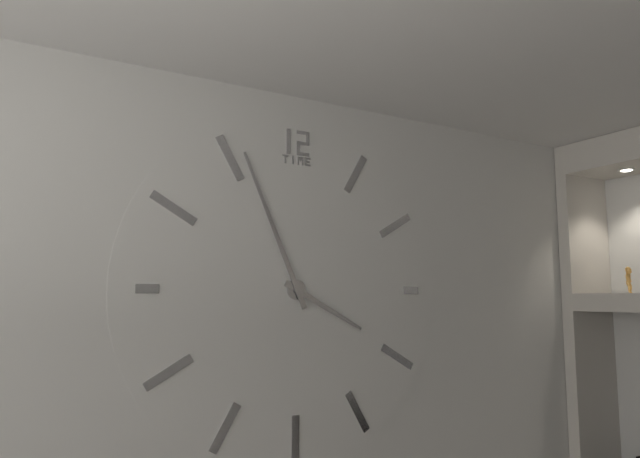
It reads 3:56
